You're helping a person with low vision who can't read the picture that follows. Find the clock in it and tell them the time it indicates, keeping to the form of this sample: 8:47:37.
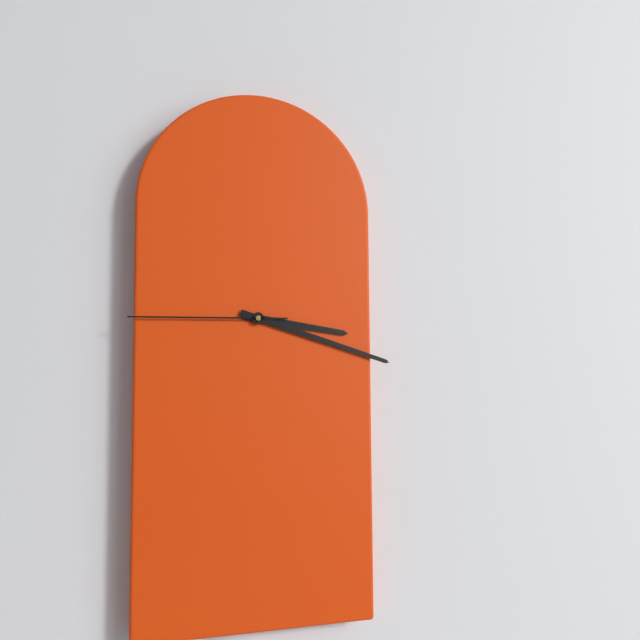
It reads 3:18:45
